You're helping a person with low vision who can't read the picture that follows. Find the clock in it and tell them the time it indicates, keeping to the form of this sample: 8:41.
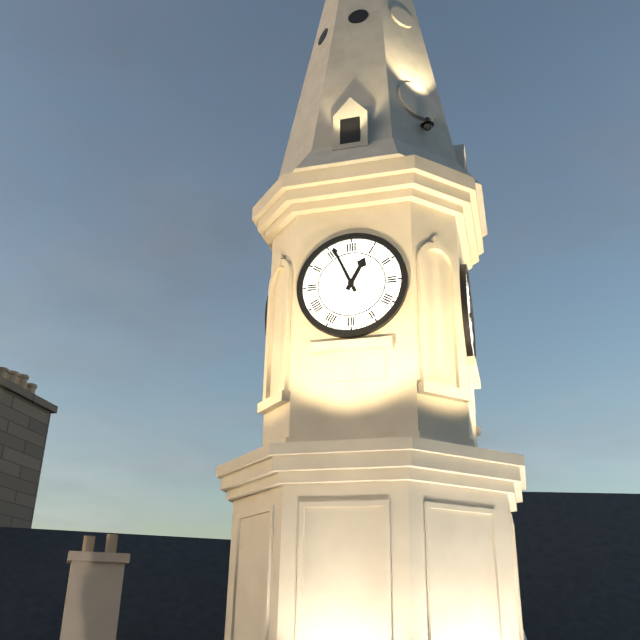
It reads 12:56
